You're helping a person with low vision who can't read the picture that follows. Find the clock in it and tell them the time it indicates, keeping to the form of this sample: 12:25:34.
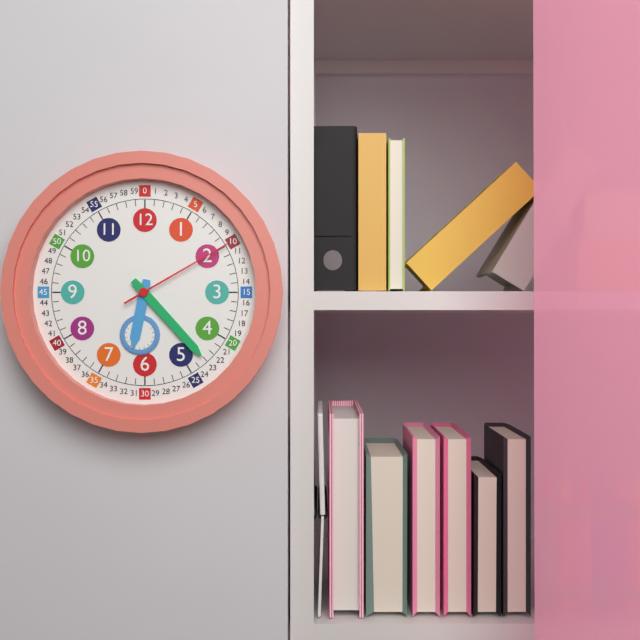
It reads 6:23:10
